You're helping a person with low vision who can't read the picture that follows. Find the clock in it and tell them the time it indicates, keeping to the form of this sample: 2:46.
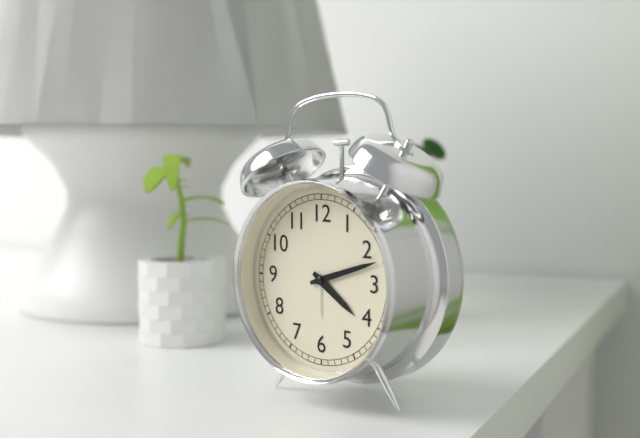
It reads 4:12
